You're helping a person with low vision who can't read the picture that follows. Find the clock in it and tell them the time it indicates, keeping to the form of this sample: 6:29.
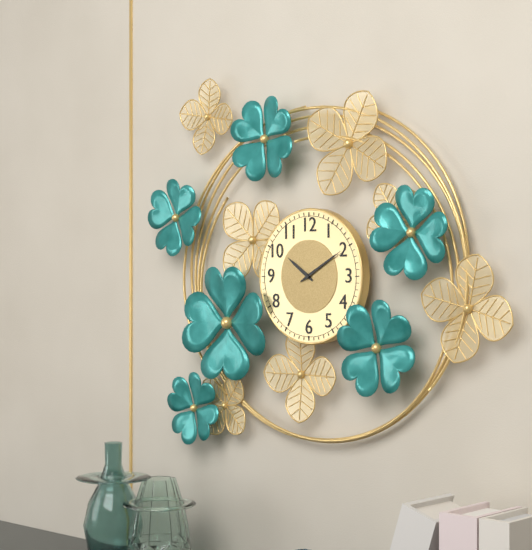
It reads 10:10
